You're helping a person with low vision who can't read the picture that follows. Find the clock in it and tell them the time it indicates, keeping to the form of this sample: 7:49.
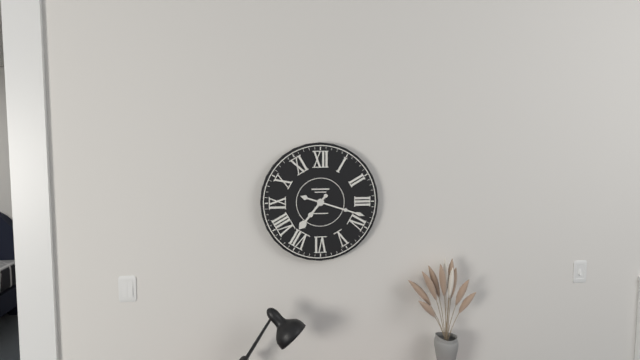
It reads 7:18
